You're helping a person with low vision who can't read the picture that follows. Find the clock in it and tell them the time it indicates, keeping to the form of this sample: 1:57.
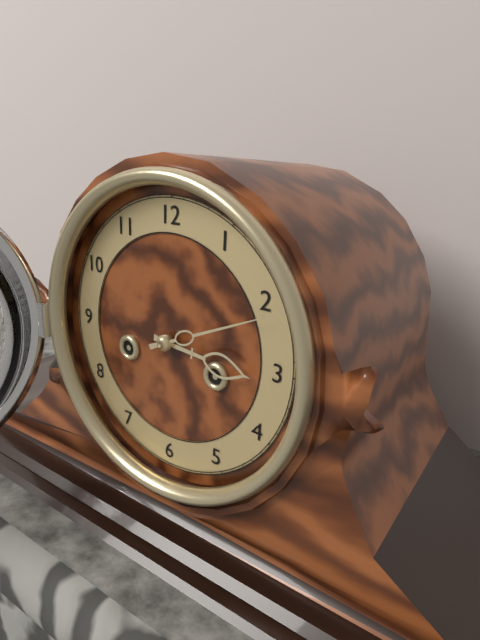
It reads 3:11
